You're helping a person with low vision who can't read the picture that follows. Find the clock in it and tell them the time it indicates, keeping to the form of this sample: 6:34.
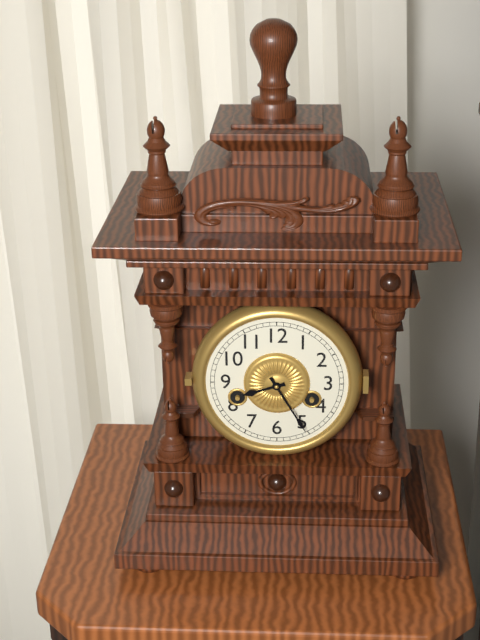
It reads 8:25
